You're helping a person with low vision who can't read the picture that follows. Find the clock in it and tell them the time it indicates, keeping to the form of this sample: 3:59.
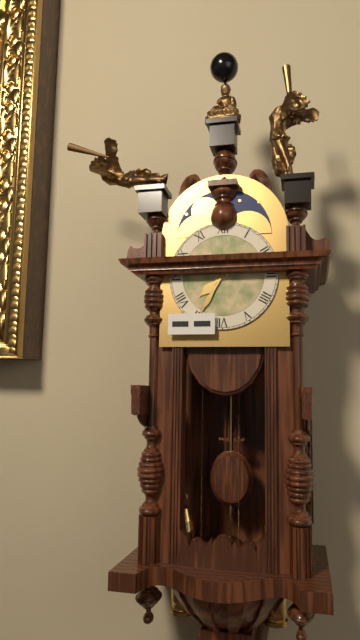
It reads 7:35
